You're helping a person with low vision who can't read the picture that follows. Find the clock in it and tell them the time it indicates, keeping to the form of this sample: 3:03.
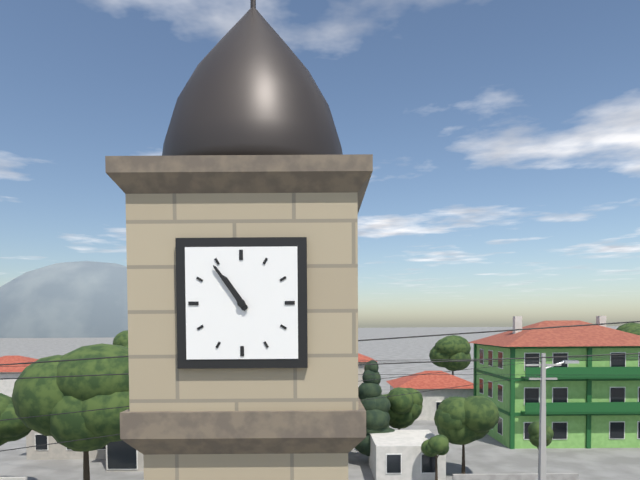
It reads 10:54
